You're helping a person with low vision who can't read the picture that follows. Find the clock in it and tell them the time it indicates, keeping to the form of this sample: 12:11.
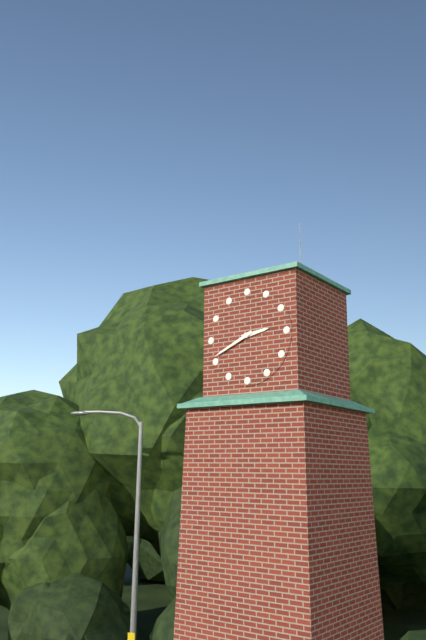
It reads 2:41
